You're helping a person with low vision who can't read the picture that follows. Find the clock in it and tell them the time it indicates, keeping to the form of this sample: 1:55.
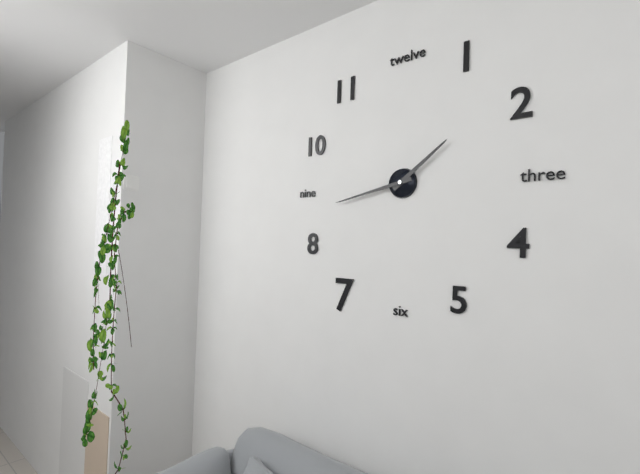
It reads 1:43
